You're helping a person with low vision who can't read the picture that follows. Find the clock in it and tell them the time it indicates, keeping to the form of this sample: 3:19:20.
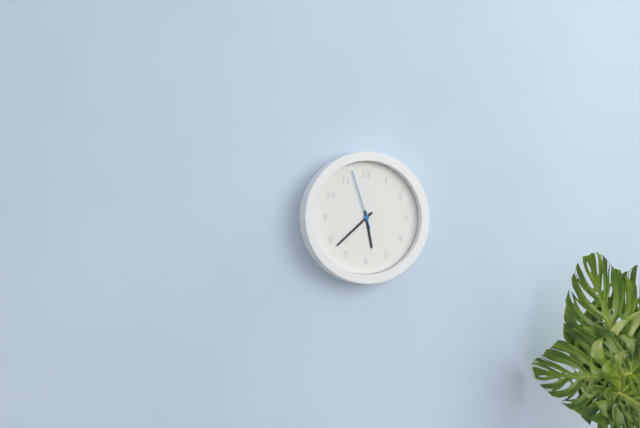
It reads 5:38:57
